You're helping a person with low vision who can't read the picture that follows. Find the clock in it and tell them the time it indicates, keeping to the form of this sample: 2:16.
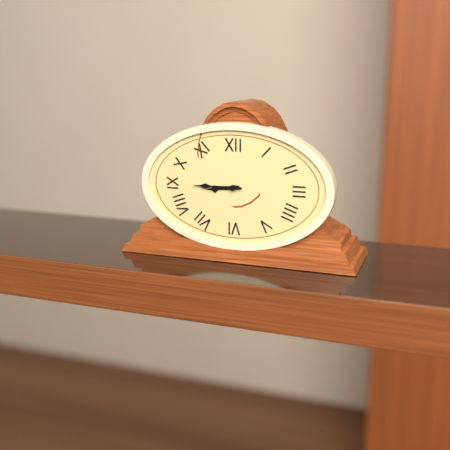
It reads 8:45
